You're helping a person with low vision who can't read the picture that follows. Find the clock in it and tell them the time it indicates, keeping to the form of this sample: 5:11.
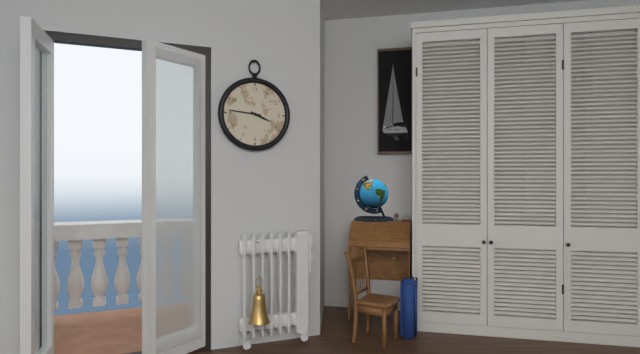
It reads 3:46
